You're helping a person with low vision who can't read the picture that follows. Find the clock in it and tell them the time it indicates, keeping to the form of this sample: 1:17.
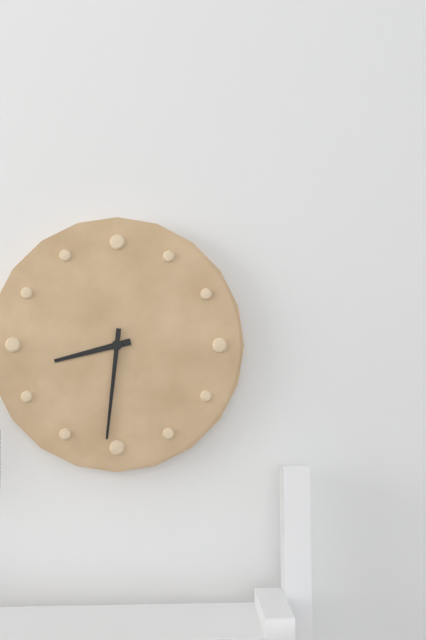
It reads 8:31
